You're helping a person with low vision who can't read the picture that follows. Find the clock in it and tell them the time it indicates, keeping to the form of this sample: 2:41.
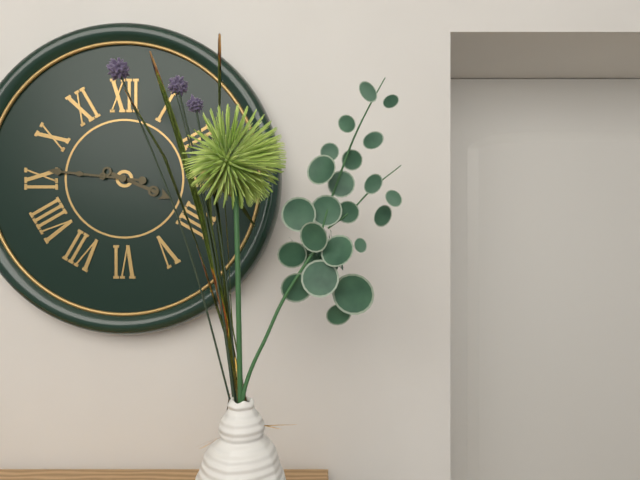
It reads 3:46
